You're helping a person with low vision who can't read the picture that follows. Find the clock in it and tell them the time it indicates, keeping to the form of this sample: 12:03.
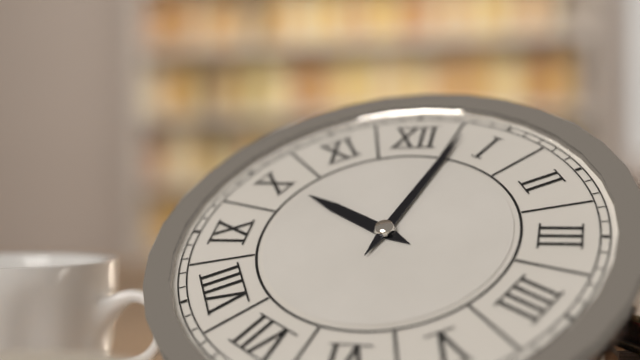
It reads 10:03
